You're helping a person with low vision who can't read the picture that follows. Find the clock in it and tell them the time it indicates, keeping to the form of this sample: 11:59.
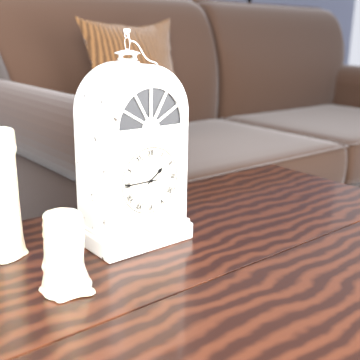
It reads 1:45
